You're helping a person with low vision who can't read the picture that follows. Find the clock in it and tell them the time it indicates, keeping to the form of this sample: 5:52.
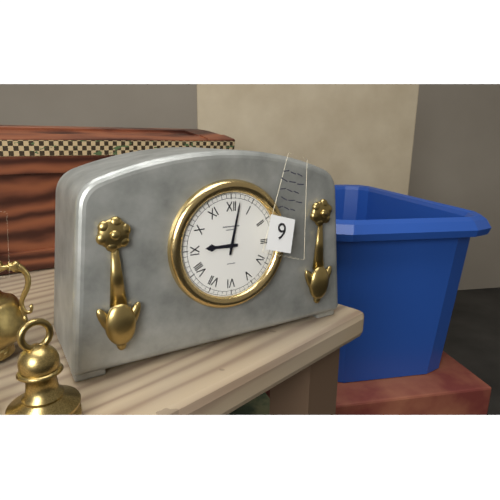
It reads 9:02
